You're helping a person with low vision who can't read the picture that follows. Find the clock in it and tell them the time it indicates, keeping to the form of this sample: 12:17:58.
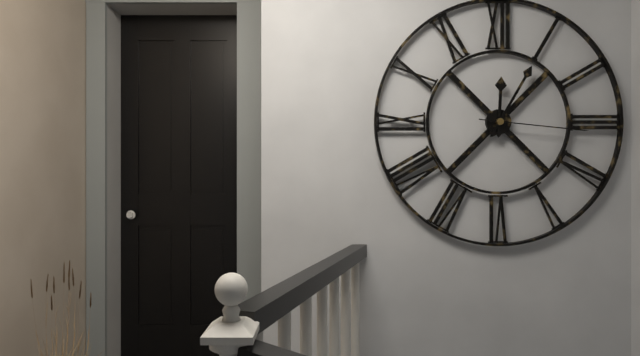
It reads 12:05:16
